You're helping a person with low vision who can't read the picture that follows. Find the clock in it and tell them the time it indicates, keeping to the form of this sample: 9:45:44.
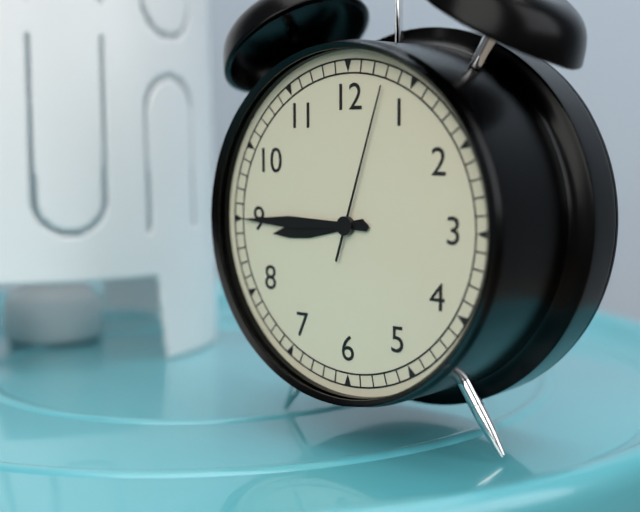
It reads 8:45:03
